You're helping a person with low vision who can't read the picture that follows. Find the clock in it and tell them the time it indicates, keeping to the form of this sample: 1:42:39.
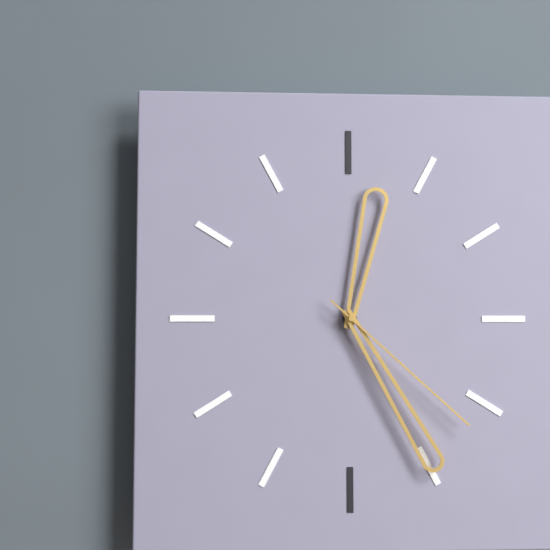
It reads 12:25:22
